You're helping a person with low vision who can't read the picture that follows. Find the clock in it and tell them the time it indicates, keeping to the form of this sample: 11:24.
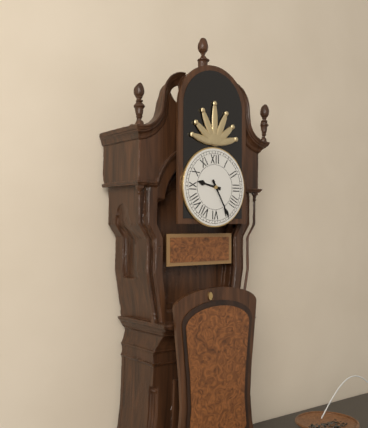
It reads 9:25
